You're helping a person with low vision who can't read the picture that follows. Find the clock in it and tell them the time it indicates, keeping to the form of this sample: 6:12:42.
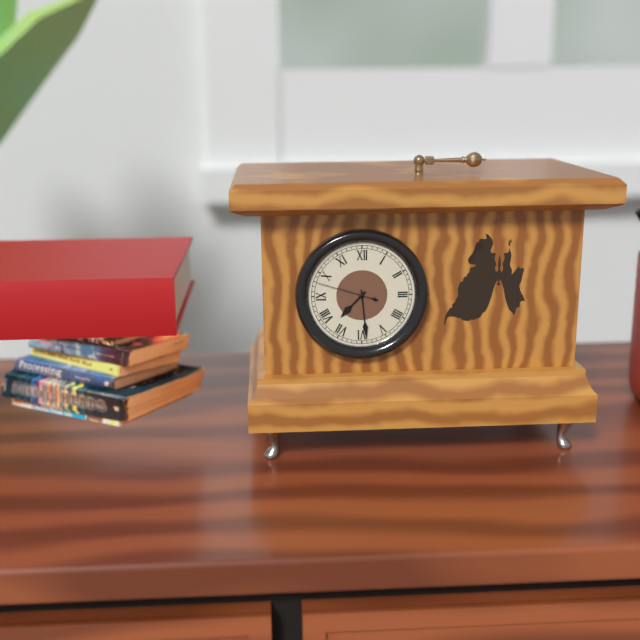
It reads 7:29:48
